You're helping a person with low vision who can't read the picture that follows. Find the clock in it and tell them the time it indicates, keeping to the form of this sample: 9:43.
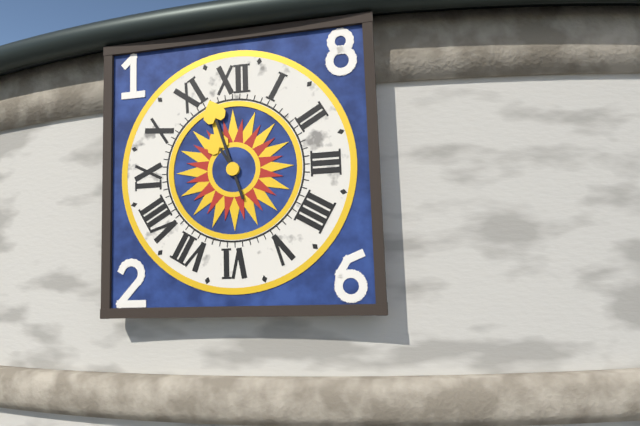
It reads 10:57
